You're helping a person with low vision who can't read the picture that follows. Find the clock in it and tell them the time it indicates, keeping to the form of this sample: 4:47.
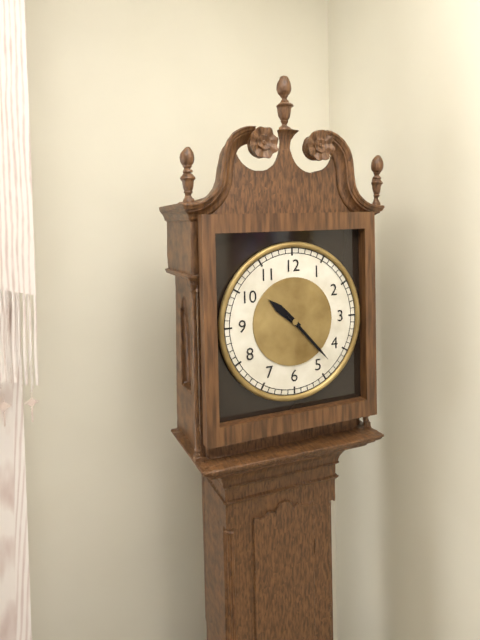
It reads 10:23
